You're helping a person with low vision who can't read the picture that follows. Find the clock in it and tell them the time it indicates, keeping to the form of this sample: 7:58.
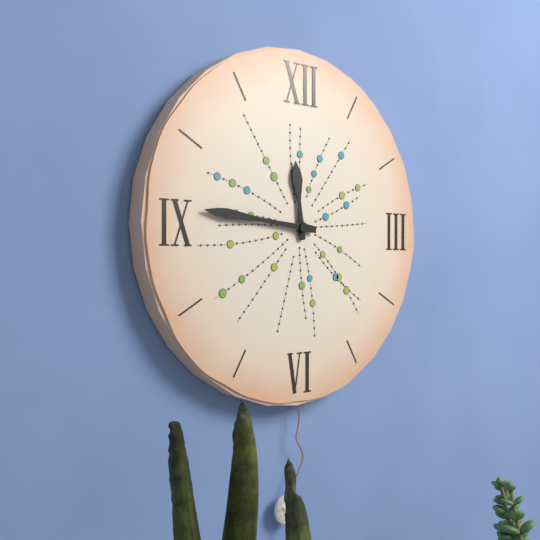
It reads 11:46
